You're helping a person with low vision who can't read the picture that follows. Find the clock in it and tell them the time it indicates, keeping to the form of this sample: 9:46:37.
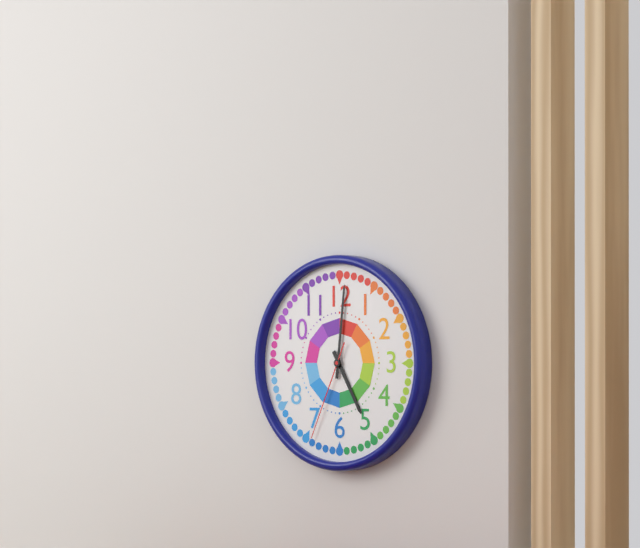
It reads 5:01:34
